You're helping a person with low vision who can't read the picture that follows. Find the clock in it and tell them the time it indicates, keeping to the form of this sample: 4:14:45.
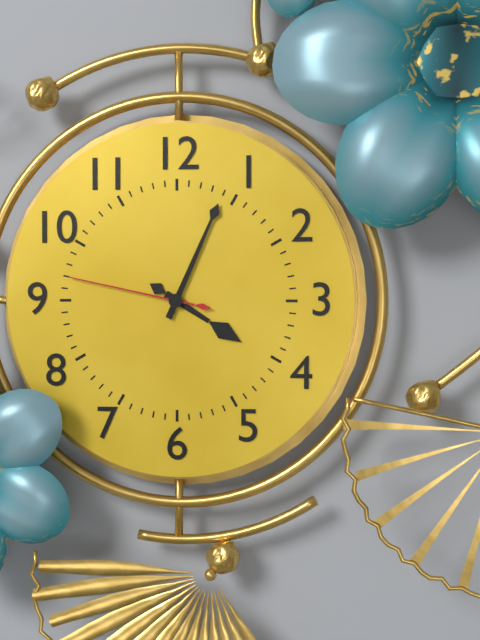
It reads 4:04:47
